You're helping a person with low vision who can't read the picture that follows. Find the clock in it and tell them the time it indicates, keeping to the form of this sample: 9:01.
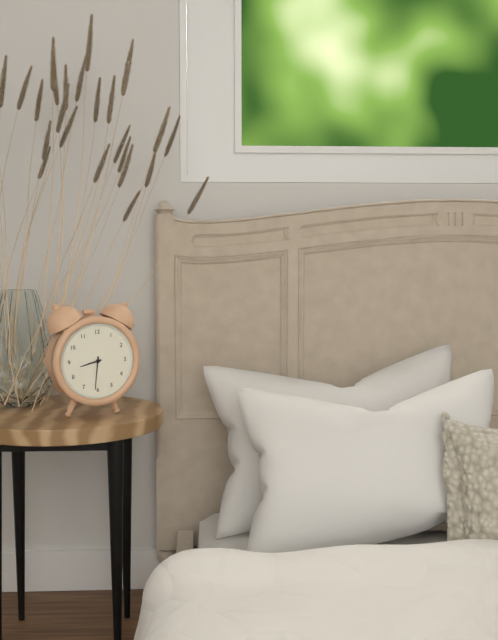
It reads 8:31
